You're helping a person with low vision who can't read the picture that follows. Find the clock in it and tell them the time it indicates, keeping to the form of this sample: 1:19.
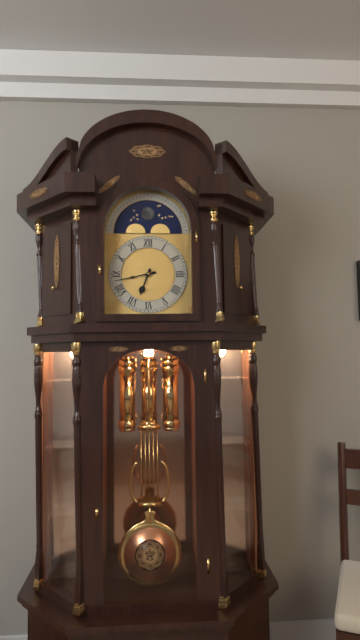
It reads 6:43
